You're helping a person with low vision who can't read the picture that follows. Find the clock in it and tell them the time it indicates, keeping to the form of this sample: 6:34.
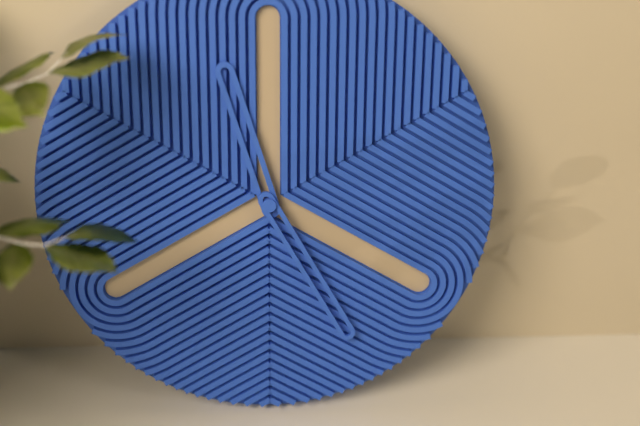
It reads 11:25
